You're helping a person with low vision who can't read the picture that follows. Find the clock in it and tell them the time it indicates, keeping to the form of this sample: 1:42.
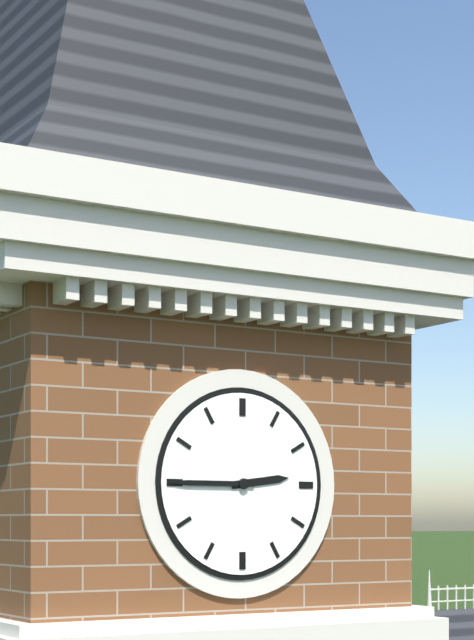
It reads 2:45
